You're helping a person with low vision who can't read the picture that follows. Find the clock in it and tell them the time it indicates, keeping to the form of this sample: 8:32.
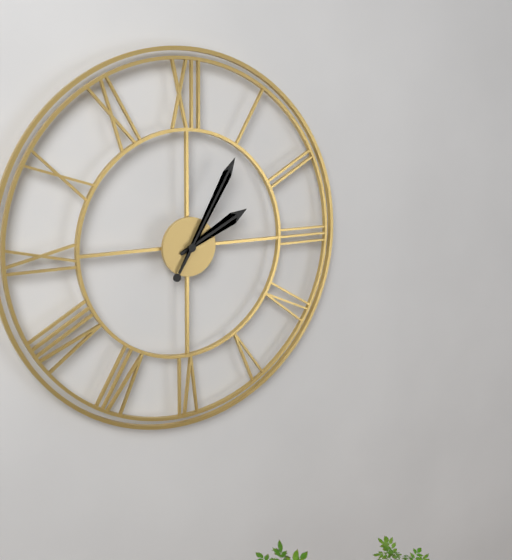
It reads 2:05
